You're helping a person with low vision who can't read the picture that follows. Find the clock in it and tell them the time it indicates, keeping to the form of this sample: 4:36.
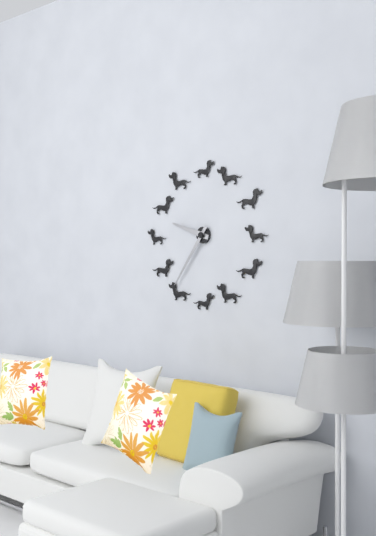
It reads 9:36
